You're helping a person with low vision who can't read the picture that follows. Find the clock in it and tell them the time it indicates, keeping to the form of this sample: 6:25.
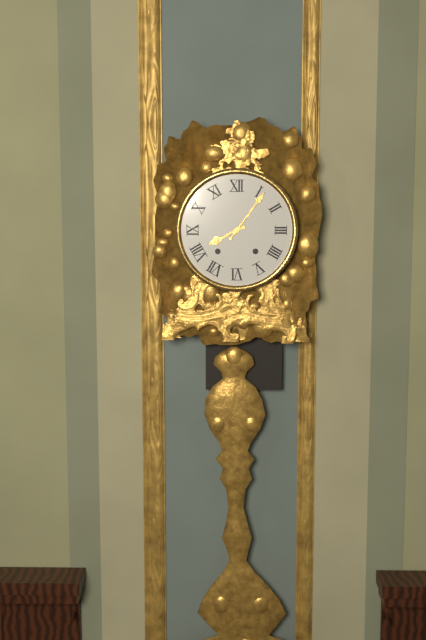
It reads 8:06
